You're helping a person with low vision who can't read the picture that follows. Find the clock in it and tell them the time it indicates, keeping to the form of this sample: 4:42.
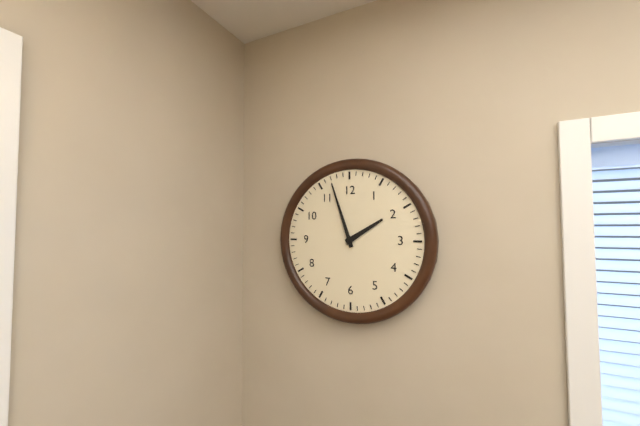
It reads 1:57
